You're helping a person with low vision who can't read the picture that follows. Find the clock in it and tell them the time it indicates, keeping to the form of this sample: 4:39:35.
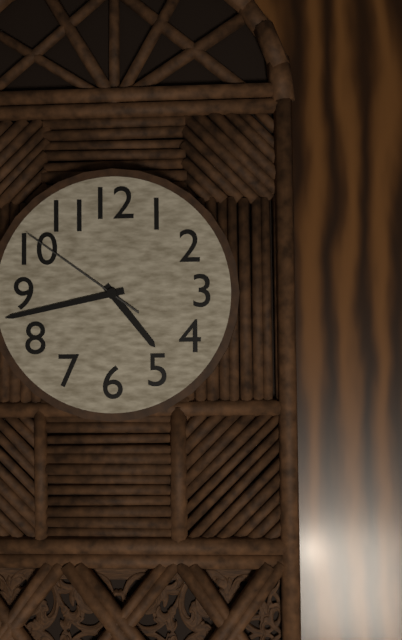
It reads 4:43:51
